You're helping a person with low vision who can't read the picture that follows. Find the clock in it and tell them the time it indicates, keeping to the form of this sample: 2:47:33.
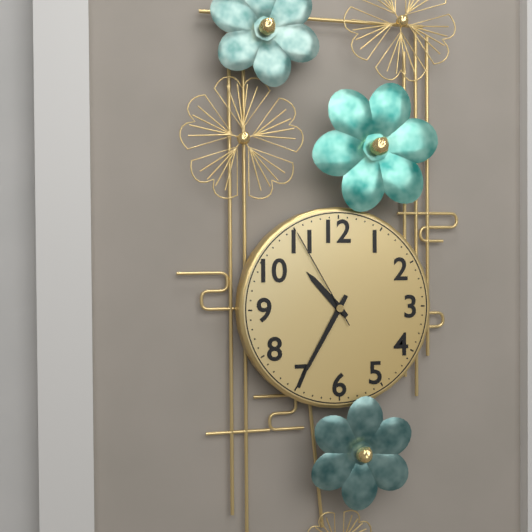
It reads 10:35:55
